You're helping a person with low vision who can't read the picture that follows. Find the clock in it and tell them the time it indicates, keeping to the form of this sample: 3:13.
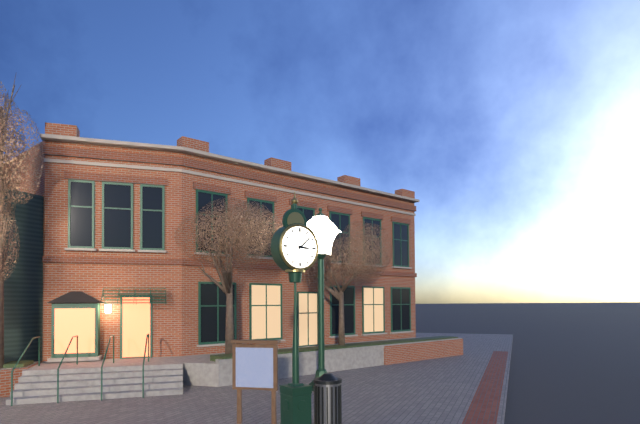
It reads 3:08
